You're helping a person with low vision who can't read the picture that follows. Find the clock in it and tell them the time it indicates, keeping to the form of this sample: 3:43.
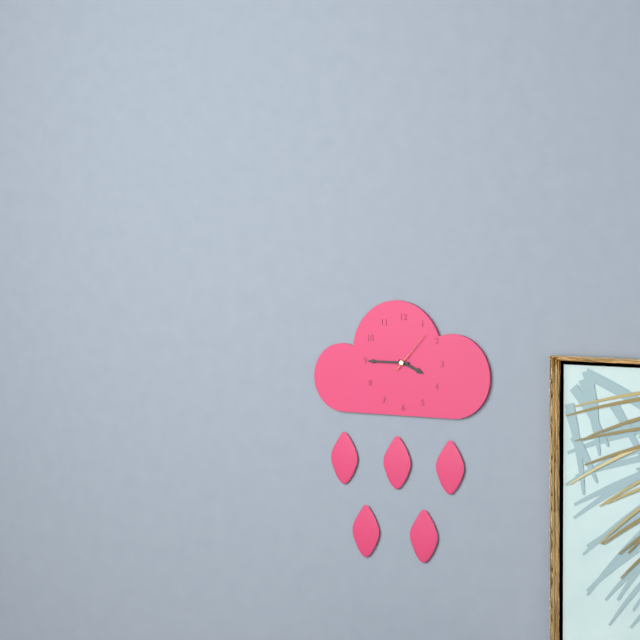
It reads 3:45
